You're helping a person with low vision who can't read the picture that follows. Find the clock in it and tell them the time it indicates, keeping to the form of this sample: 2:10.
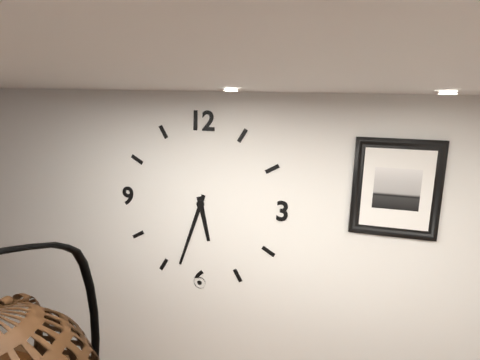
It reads 5:33
